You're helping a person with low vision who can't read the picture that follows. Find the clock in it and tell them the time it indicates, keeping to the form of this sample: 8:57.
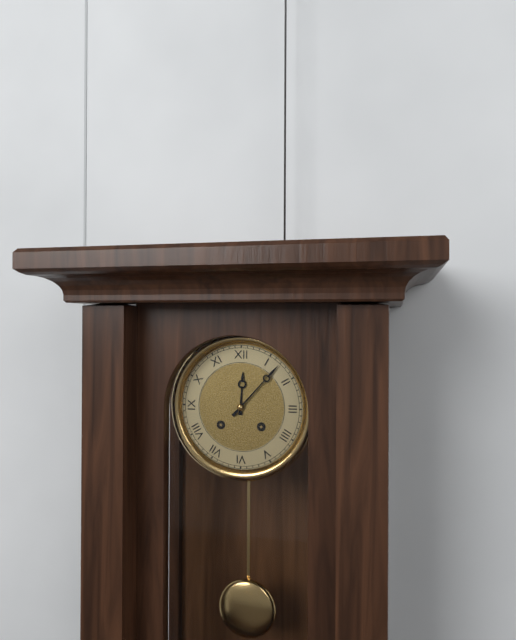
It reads 12:07
